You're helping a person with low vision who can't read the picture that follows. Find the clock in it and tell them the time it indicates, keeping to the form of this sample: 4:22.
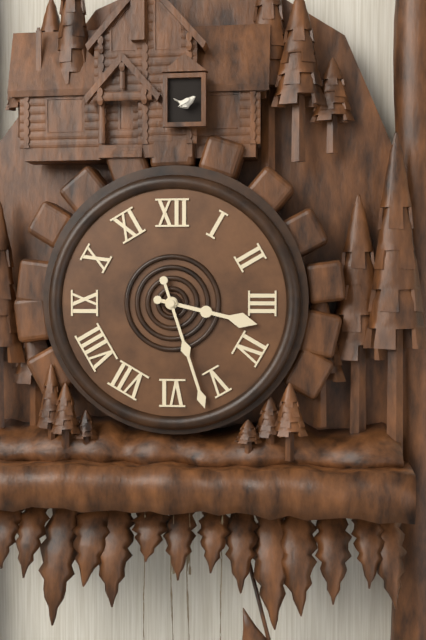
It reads 3:27
